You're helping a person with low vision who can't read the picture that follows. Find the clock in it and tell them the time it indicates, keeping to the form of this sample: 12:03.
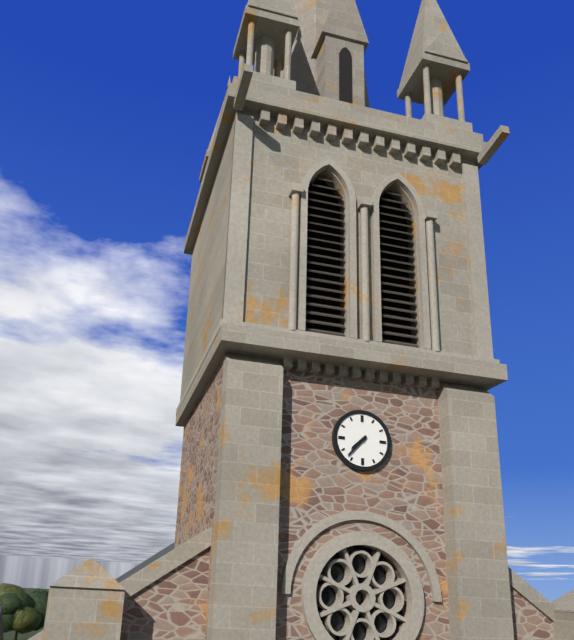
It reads 7:37
